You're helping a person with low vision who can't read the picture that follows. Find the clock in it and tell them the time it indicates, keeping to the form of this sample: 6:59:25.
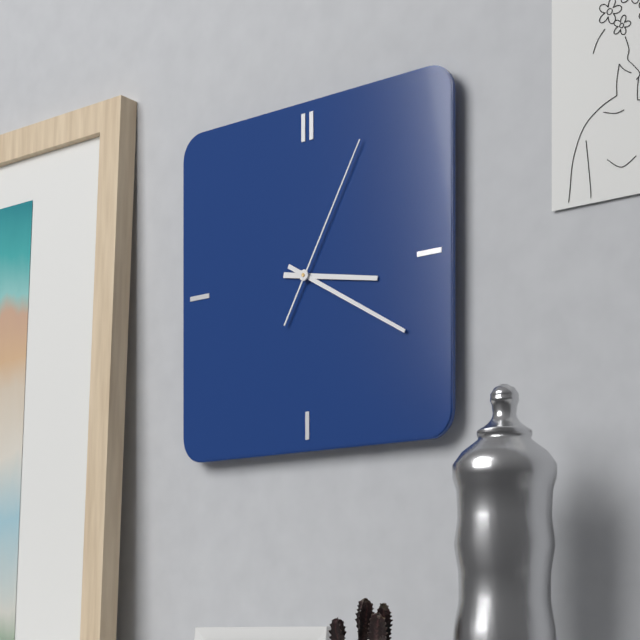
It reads 3:20:05
